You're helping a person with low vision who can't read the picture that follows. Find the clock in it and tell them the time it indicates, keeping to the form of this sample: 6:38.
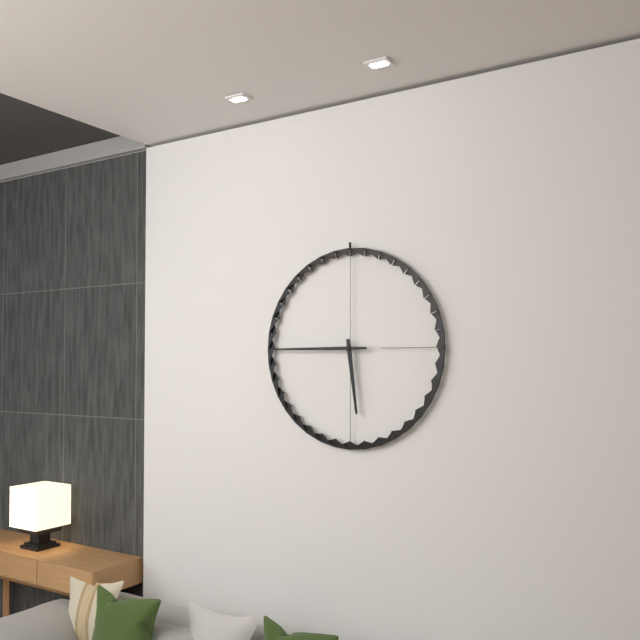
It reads 5:45
